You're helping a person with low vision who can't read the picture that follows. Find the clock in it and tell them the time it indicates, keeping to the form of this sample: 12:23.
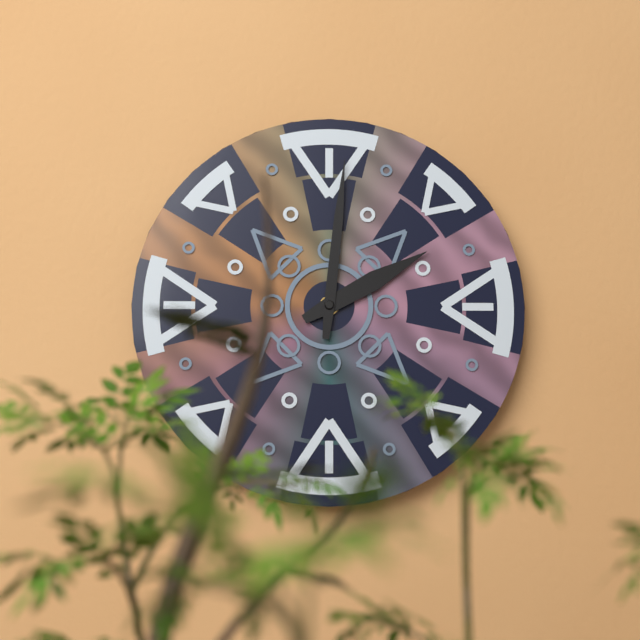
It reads 2:01
